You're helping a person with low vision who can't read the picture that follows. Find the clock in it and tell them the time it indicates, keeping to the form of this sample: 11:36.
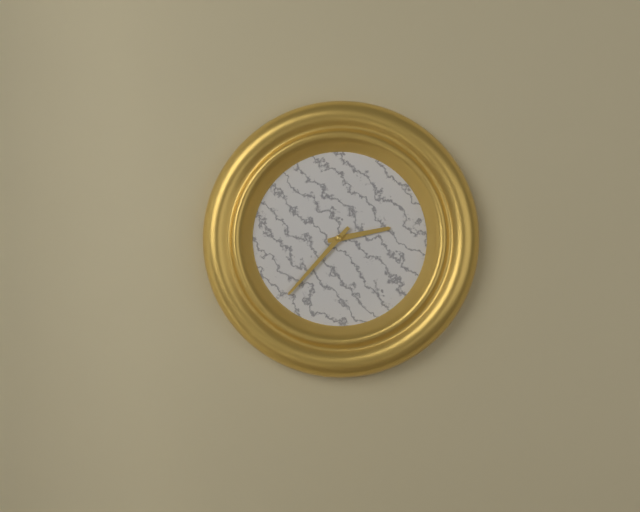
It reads 2:37
